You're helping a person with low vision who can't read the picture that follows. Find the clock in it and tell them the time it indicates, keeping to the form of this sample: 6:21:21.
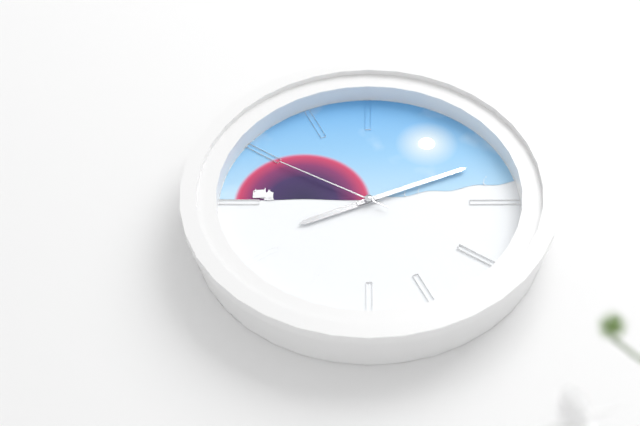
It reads 8:11:50
